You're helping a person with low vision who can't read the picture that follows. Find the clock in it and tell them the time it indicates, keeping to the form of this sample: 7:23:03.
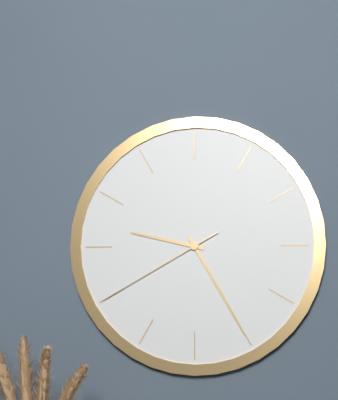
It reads 9:25:40
